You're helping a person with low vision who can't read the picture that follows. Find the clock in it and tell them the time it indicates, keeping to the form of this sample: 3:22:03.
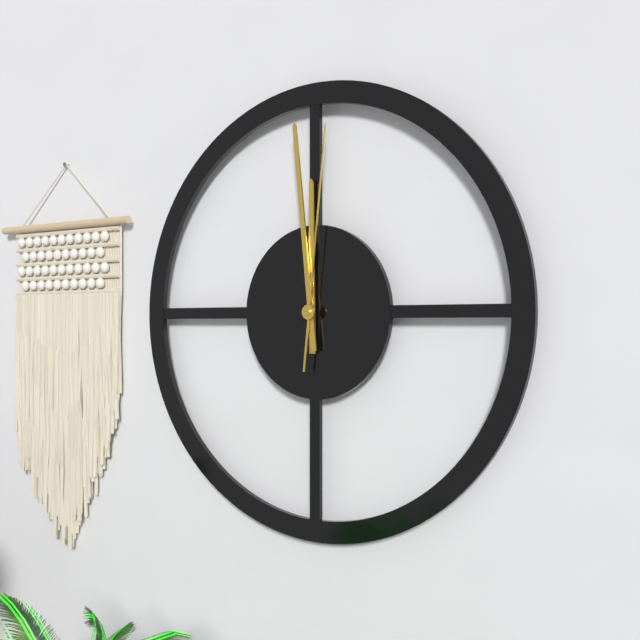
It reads 11:59:01
